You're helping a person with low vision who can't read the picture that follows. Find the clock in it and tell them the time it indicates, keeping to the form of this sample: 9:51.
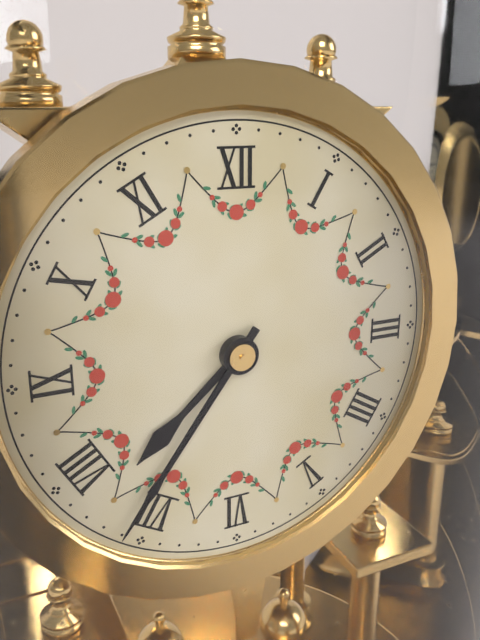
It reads 7:36
